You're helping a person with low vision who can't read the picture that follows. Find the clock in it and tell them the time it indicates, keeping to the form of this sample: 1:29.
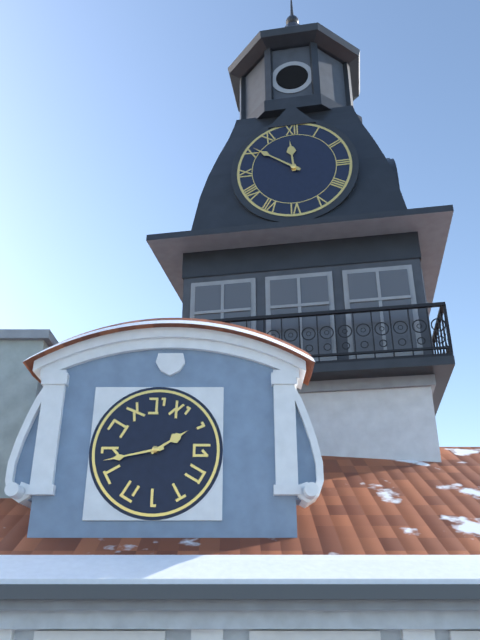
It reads 11:51
